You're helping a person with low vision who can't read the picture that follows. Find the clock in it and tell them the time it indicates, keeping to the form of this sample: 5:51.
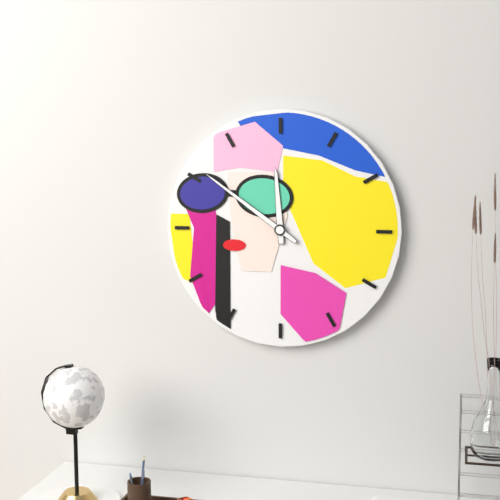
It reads 11:51
